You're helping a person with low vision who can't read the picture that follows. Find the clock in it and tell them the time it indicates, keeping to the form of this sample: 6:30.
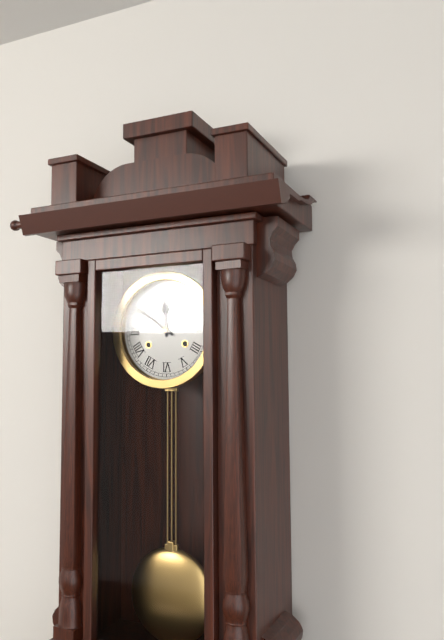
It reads 11:51
